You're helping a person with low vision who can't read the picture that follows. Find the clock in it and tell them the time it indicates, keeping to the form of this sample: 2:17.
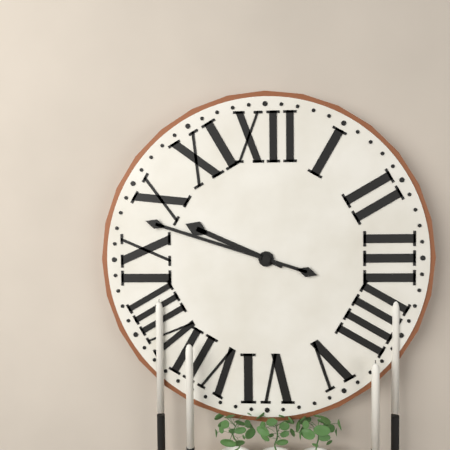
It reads 9:48
